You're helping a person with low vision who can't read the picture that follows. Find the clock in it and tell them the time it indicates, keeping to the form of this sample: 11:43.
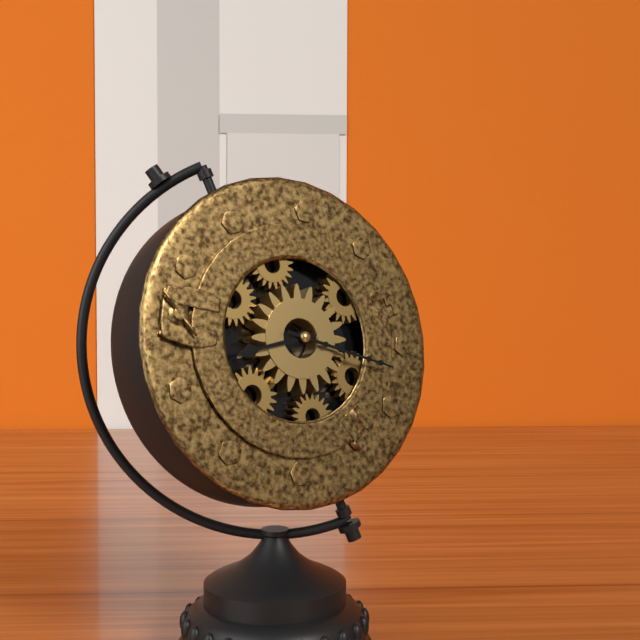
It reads 8:16
